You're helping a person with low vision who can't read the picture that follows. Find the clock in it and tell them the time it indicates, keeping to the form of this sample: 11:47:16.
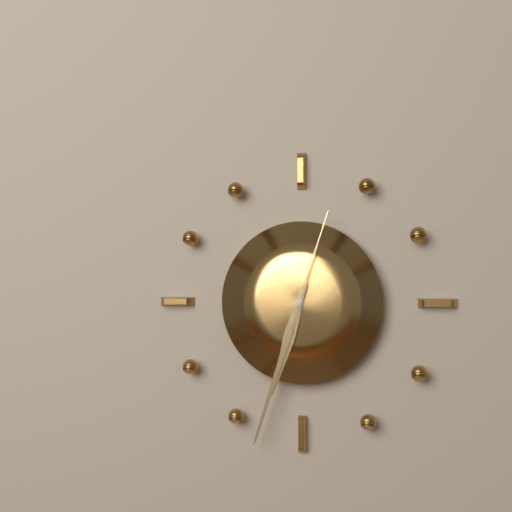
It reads 6:33:03
